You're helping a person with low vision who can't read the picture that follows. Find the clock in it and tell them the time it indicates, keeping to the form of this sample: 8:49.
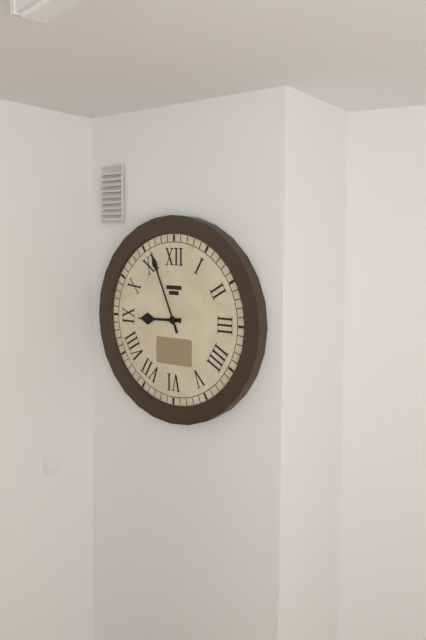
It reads 8:56
